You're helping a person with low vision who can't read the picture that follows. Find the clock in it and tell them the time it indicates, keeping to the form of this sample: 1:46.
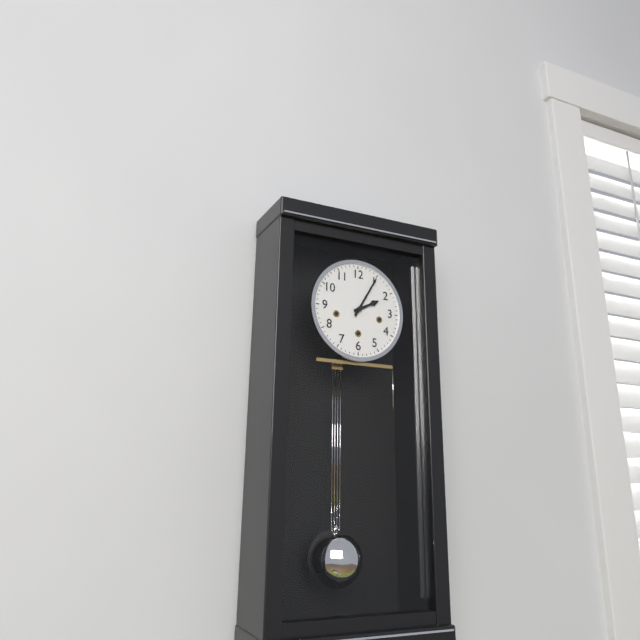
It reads 2:05
